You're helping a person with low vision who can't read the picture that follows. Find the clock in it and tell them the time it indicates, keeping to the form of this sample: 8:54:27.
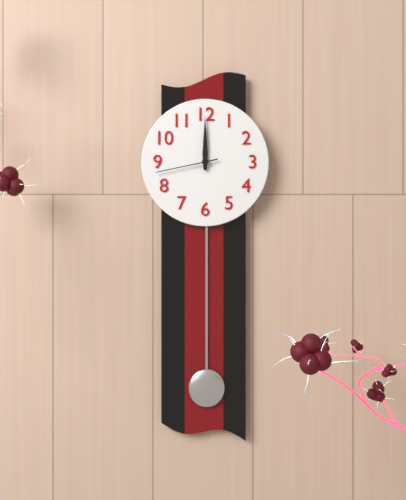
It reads 12:00:43
